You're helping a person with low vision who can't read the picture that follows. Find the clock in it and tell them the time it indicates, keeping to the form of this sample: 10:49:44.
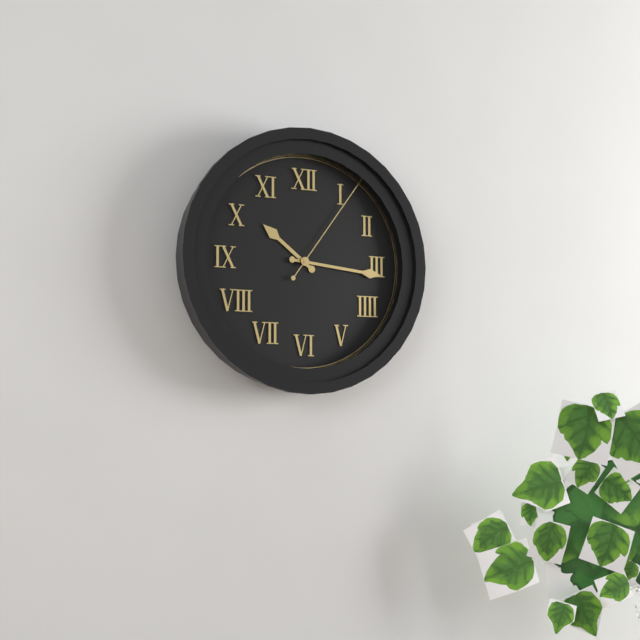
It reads 10:16:06
